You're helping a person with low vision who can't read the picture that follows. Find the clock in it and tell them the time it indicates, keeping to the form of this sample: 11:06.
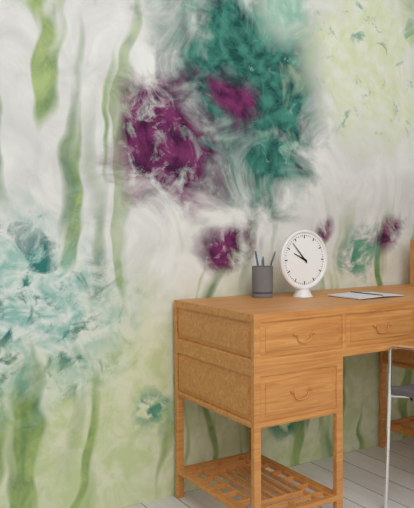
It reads 9:53
